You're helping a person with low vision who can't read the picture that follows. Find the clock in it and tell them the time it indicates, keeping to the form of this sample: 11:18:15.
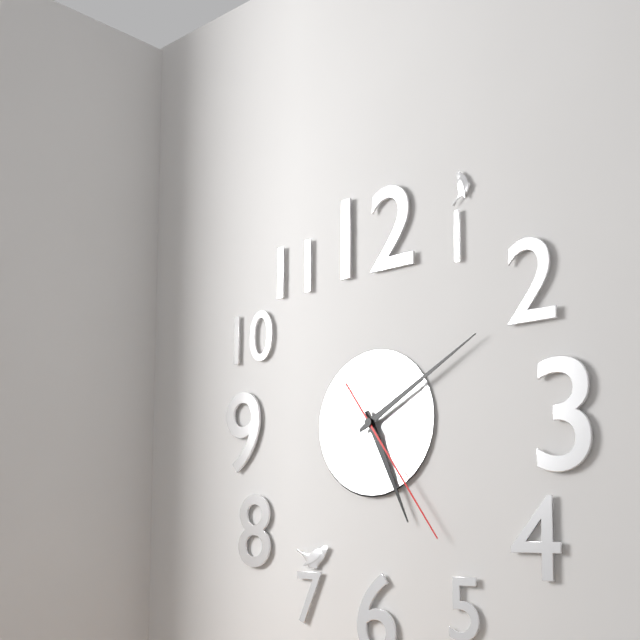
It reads 5:10:24
